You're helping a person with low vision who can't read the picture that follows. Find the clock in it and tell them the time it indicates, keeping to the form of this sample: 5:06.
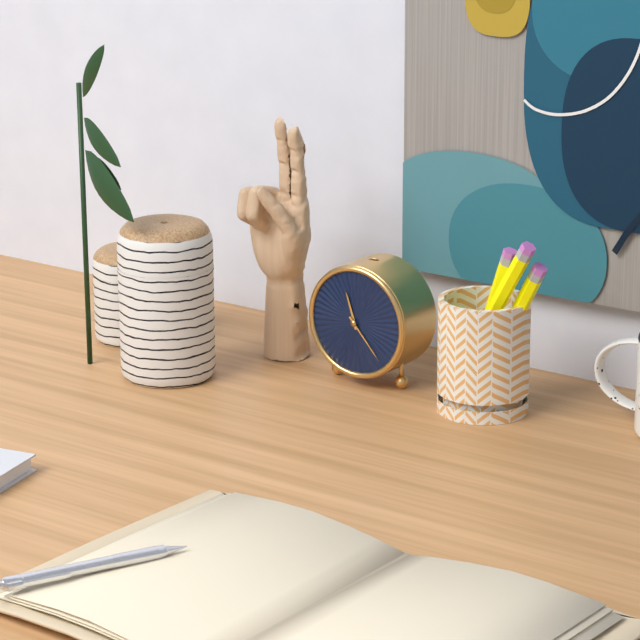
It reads 11:23
